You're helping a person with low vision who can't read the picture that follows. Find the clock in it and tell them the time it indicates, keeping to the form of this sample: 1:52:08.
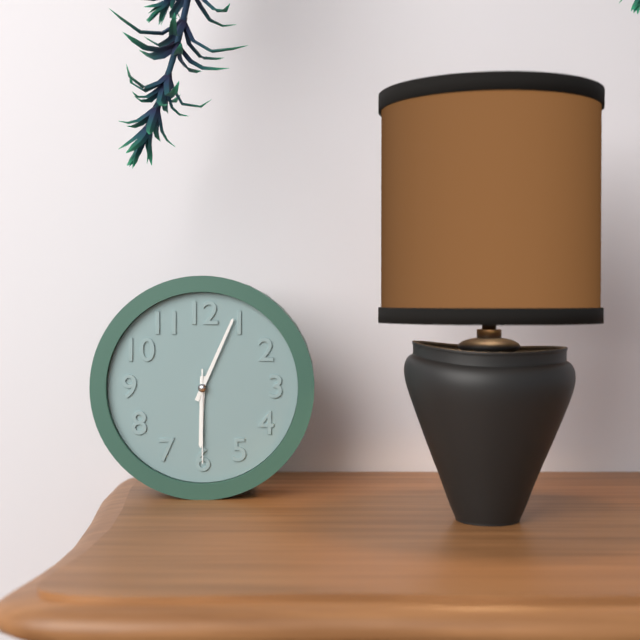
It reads 6:04:30
